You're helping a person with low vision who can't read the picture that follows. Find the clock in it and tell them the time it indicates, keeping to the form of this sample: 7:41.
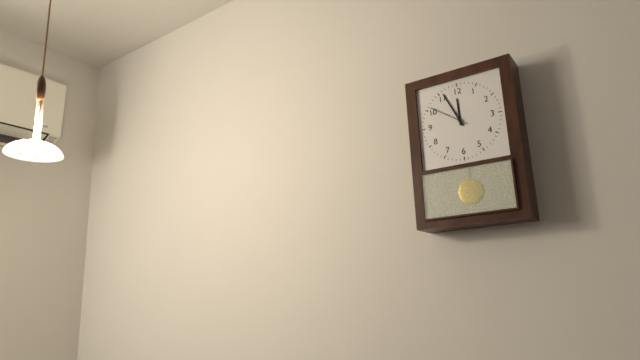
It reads 11:56
